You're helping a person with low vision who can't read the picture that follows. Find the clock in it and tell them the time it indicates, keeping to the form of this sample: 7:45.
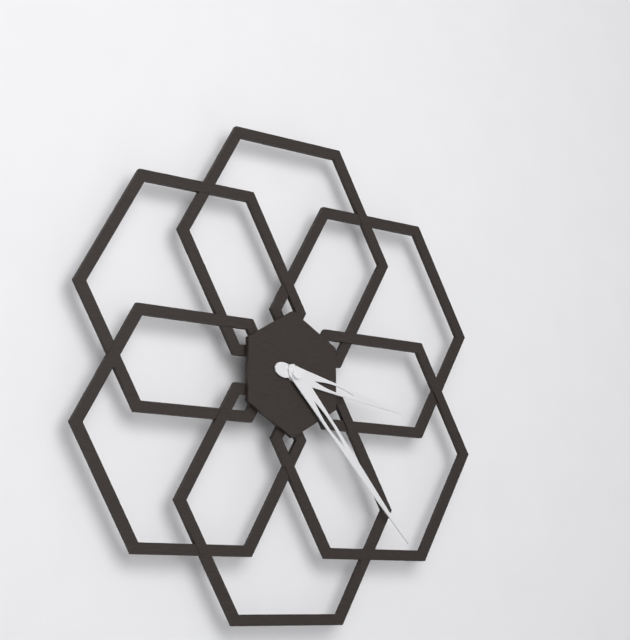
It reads 3:23
